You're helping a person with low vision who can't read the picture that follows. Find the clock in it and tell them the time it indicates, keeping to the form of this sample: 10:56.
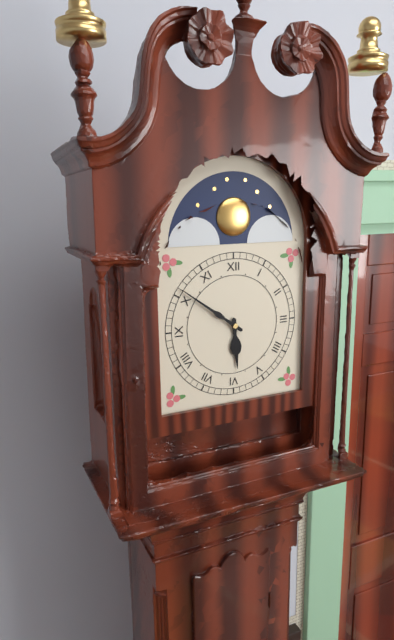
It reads 5:51
